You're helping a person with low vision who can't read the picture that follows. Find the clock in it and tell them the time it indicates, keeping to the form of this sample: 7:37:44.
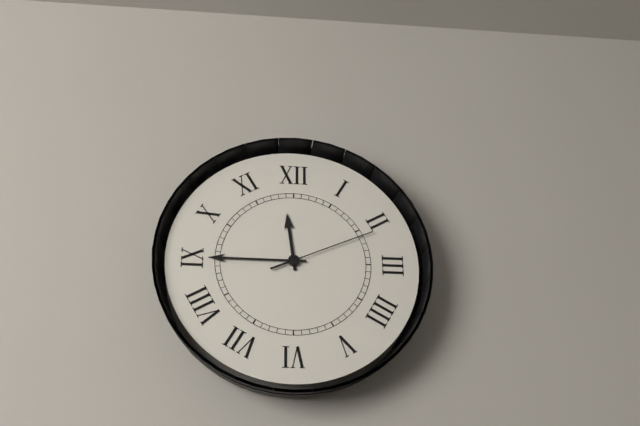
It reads 11:45:11
